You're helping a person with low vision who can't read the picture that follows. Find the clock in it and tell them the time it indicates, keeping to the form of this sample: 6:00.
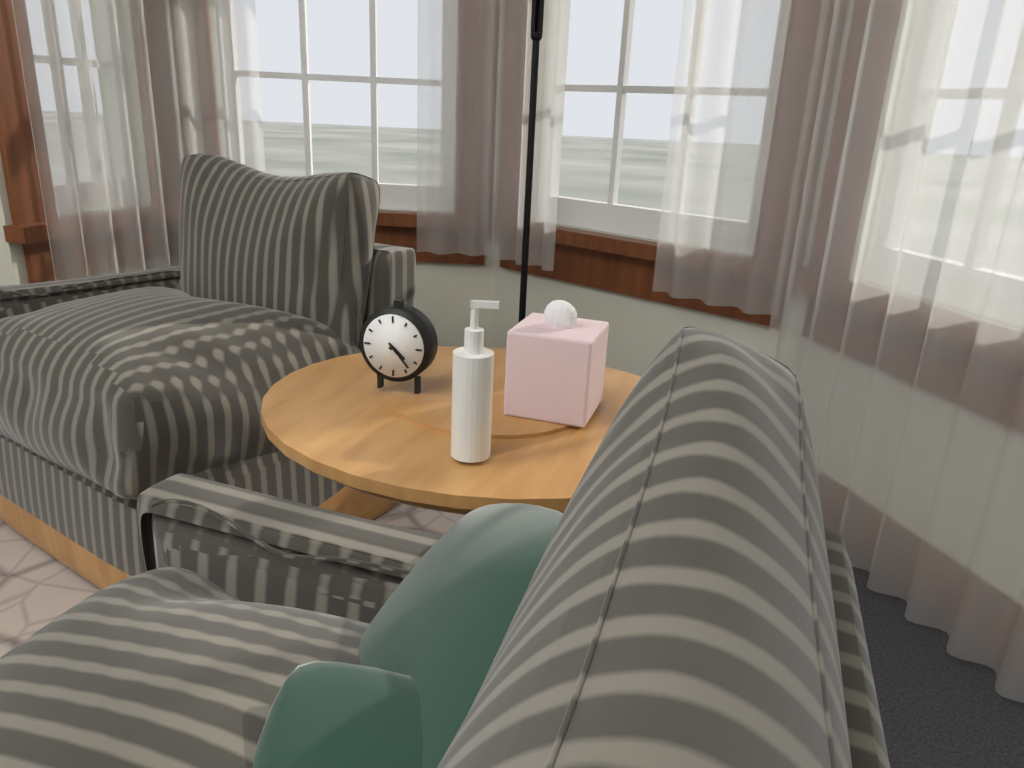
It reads 4:23
